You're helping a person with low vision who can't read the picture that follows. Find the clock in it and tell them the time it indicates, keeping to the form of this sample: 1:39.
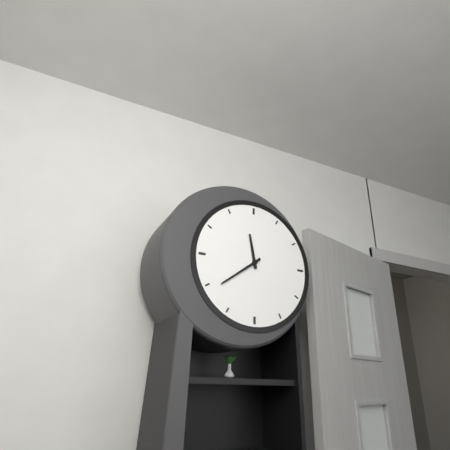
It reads 11:39
